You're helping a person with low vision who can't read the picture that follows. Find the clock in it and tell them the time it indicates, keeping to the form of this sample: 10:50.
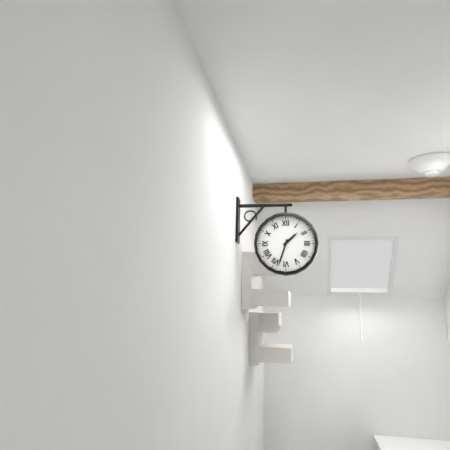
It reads 1:33
